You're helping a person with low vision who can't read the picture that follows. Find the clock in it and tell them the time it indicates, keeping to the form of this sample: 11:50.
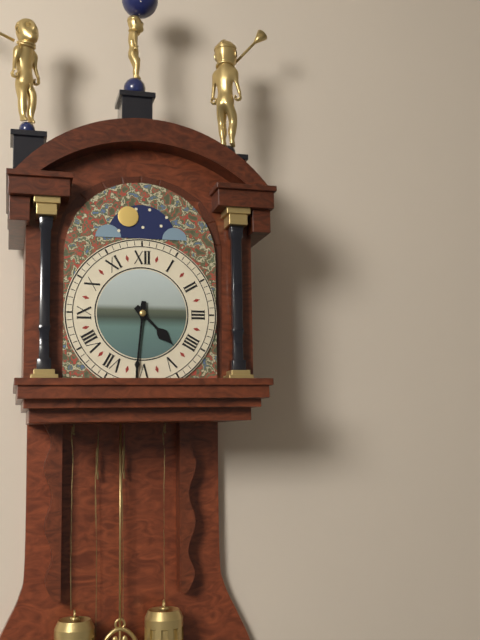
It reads 4:31
